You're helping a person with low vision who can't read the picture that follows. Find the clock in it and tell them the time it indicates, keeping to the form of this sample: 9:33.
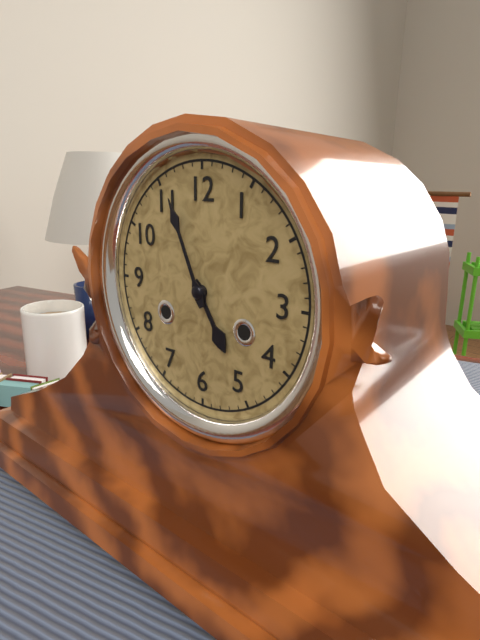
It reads 4:56
